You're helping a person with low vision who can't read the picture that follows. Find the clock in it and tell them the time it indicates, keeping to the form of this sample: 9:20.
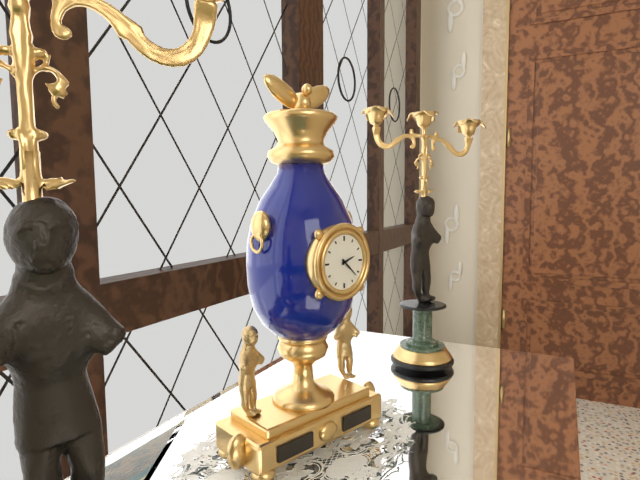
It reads 2:22
